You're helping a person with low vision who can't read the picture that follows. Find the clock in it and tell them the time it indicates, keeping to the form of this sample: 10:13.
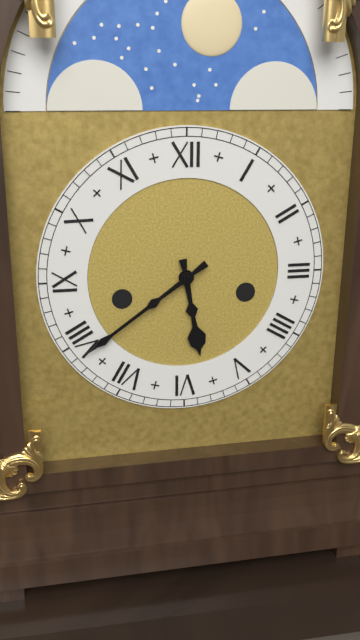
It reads 5:39
